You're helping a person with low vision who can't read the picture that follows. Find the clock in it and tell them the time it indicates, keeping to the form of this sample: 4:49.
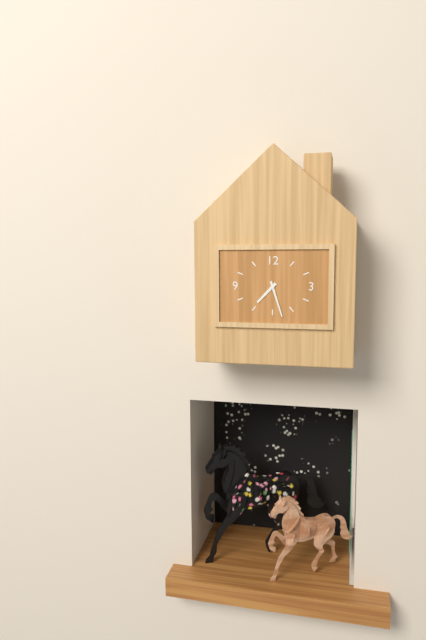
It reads 7:27
